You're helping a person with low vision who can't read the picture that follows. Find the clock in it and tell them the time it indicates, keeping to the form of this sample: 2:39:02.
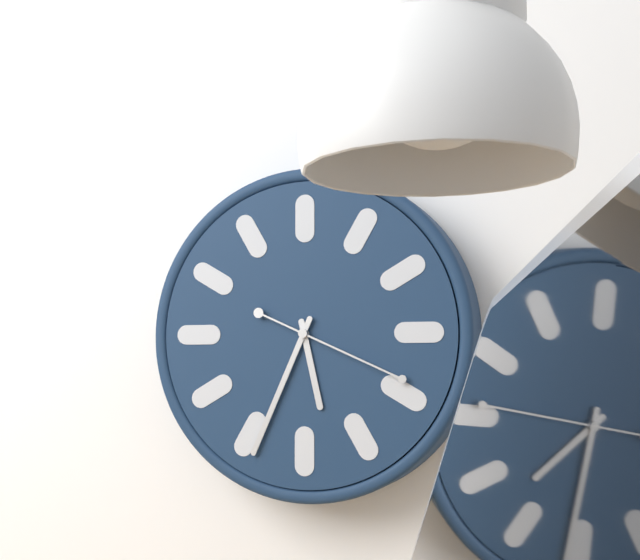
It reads 5:34:19
